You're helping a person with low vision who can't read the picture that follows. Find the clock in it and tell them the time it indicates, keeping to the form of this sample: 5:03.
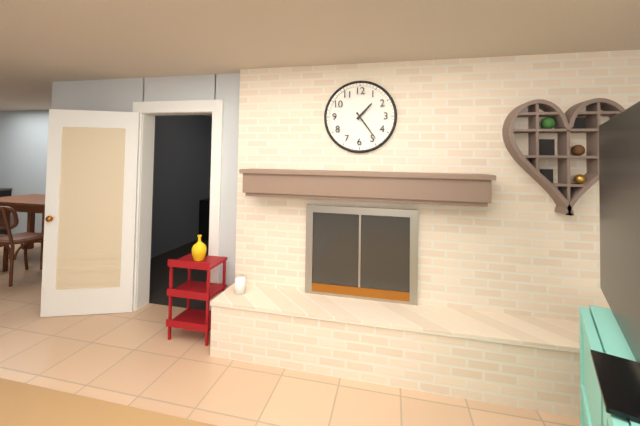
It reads 1:24
